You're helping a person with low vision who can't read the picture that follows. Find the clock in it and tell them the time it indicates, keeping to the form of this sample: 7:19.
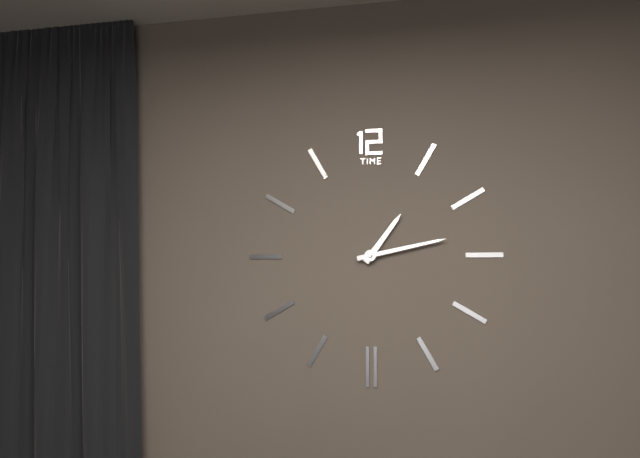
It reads 1:13
